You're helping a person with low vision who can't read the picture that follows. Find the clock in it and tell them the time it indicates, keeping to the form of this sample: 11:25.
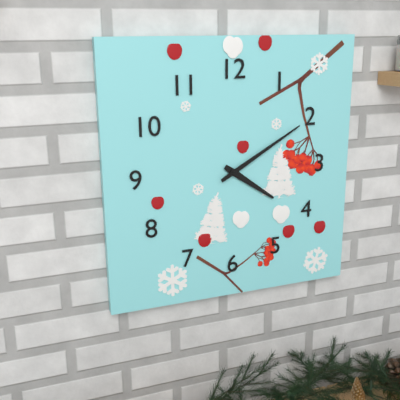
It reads 4:10
